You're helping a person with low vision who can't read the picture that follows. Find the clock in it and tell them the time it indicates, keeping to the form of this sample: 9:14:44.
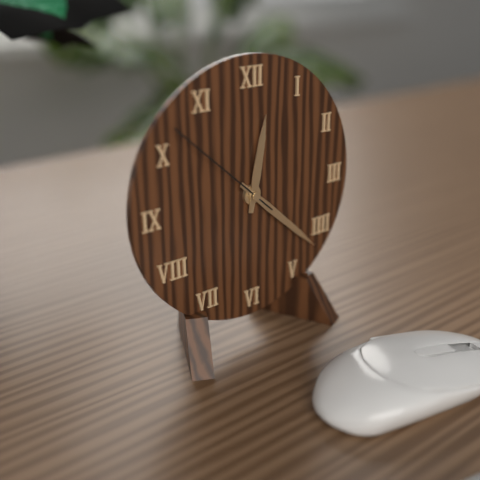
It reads 12:22:52
